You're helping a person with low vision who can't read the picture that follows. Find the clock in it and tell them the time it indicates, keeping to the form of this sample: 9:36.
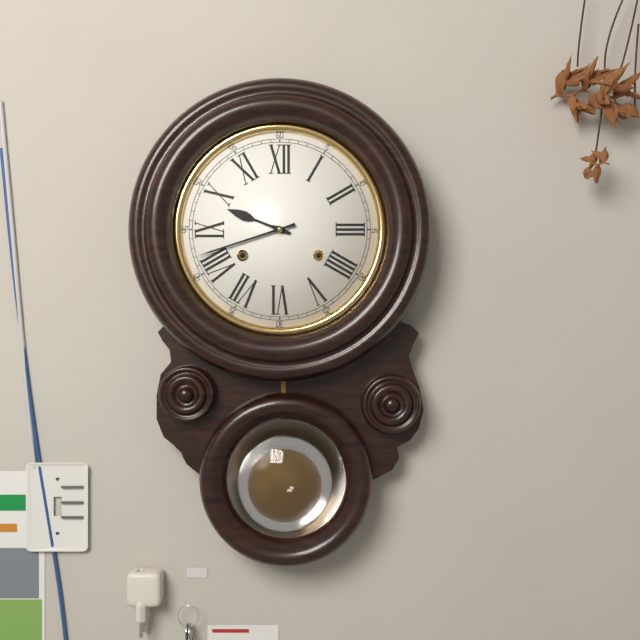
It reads 9:42
